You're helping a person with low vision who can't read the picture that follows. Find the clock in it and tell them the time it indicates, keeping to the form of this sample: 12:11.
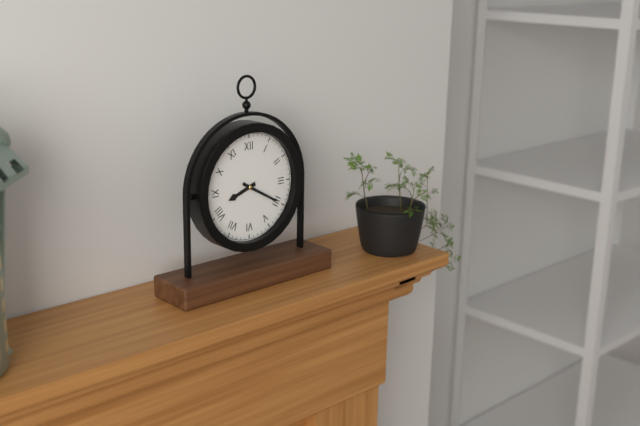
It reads 8:20
